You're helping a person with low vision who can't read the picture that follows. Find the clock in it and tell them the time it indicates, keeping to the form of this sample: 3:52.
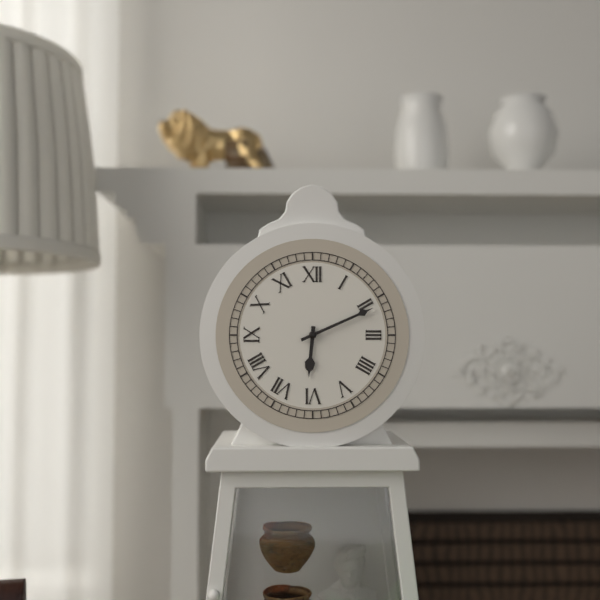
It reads 6:11
